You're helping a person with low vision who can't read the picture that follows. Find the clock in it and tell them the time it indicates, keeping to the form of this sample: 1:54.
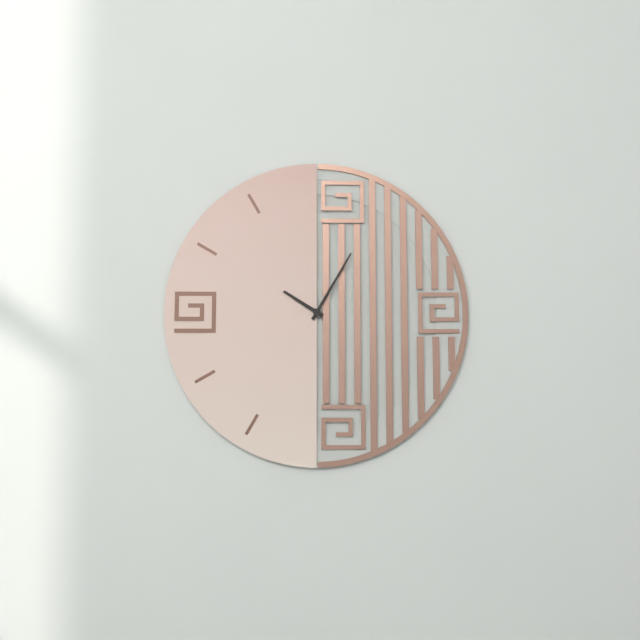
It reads 10:05
